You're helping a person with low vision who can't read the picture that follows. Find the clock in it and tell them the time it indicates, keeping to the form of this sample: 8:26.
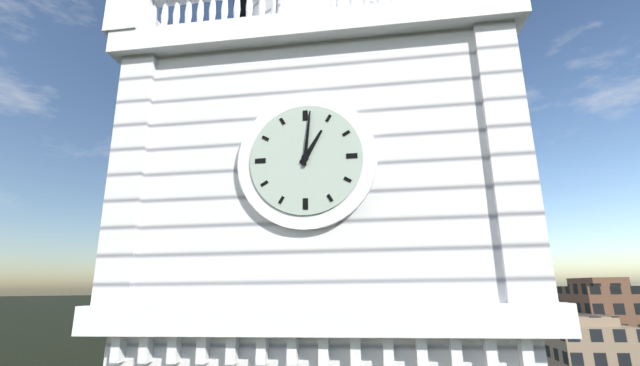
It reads 1:01
